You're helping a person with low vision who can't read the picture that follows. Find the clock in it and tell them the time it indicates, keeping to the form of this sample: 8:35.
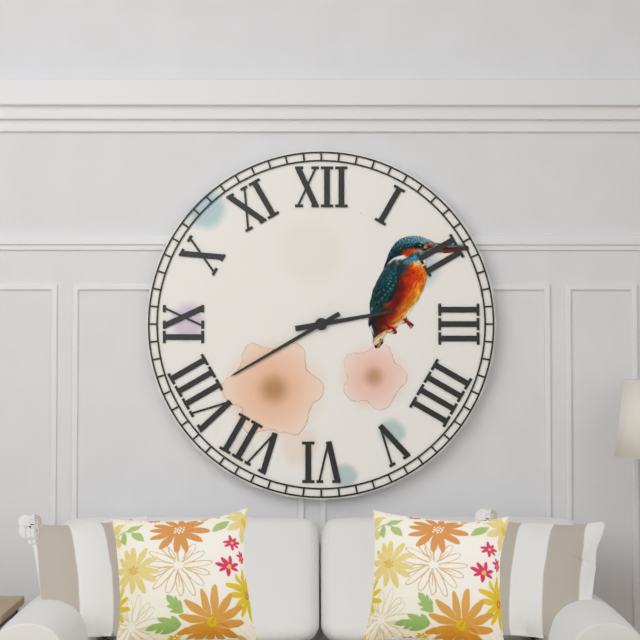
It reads 2:40
